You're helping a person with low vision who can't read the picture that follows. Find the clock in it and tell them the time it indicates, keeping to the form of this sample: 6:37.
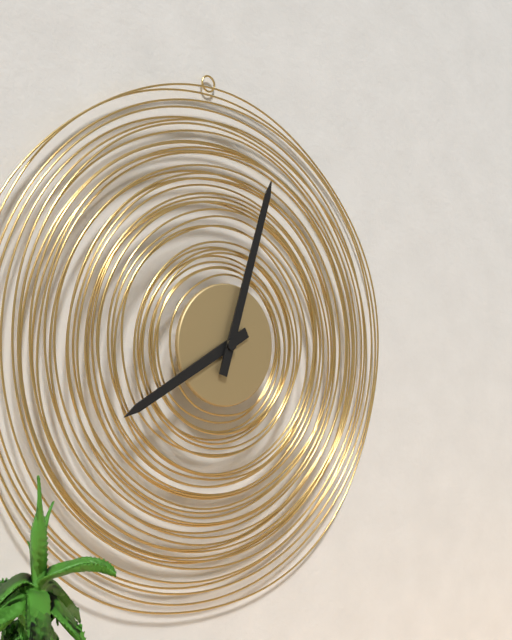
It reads 8:03
